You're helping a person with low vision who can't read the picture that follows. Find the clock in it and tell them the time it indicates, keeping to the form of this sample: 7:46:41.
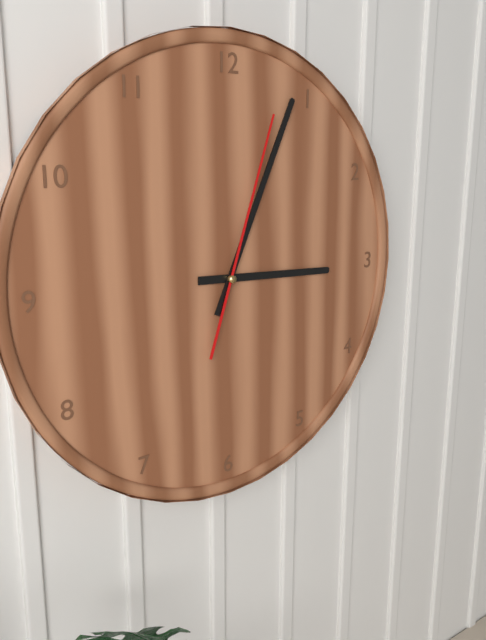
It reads 3:04:03
